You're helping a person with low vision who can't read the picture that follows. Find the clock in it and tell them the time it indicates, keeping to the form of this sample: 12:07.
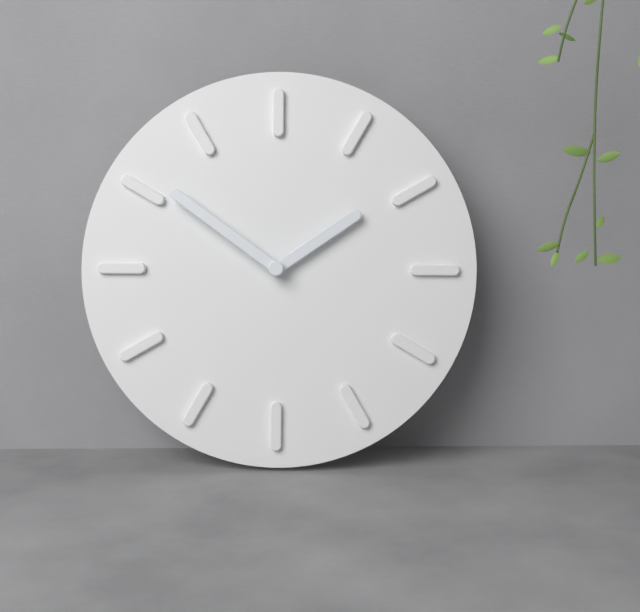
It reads 1:51
